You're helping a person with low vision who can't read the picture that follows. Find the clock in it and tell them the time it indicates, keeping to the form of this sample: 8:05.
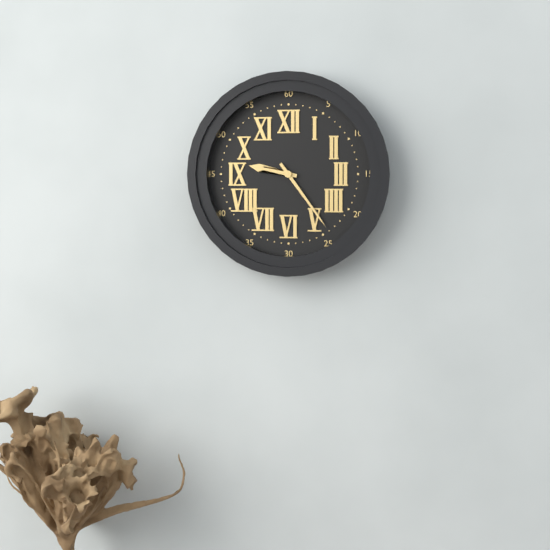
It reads 9:24
